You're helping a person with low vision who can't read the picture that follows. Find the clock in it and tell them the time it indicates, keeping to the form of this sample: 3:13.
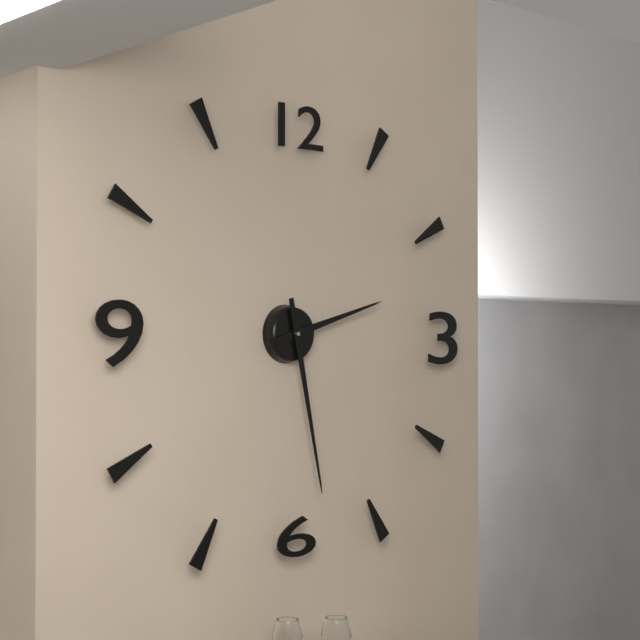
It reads 2:28
